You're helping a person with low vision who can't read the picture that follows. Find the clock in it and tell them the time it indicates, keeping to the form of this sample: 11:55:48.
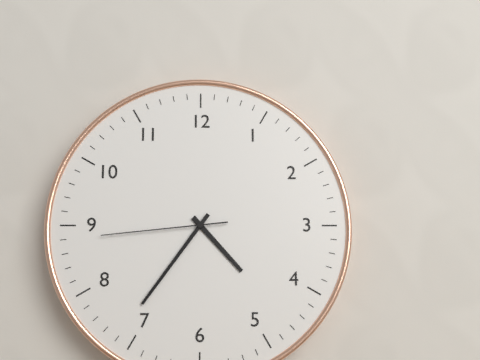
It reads 4:36:44
